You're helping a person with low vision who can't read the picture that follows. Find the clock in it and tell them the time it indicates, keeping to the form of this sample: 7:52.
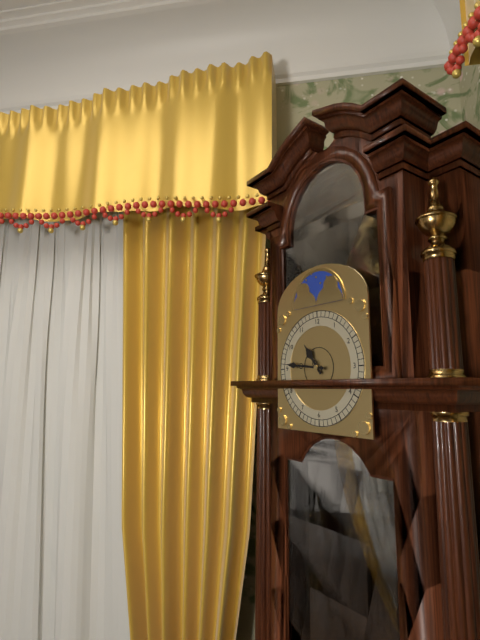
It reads 10:46
